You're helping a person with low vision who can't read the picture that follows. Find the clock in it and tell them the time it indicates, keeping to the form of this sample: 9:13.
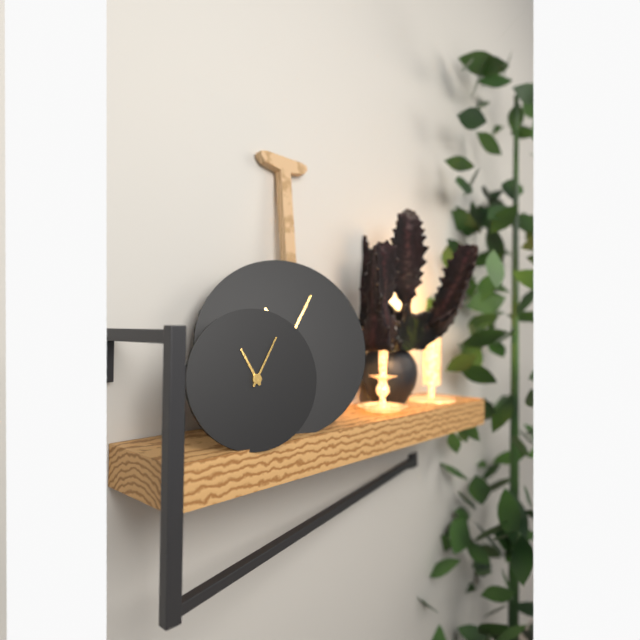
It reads 11:05
